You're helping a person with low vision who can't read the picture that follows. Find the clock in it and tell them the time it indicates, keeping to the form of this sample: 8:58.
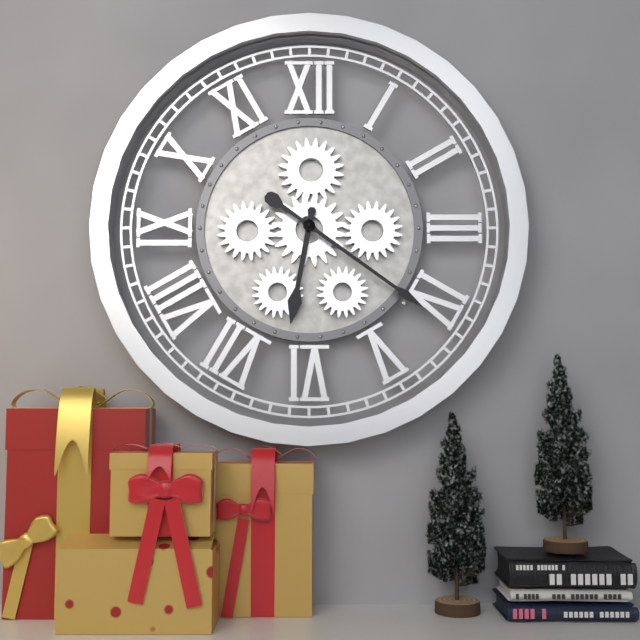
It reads 6:21
